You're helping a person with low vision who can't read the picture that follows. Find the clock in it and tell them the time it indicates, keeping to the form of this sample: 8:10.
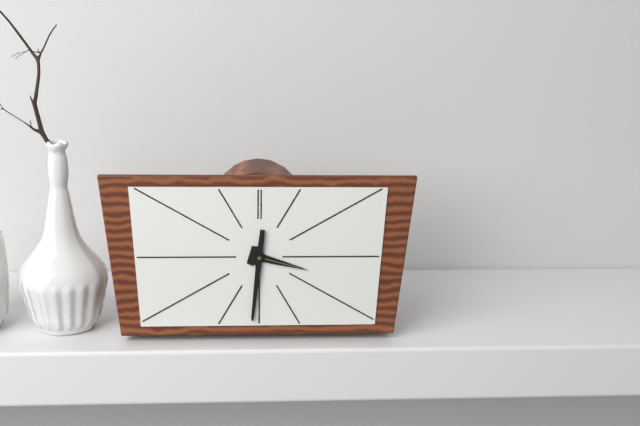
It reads 3:31
